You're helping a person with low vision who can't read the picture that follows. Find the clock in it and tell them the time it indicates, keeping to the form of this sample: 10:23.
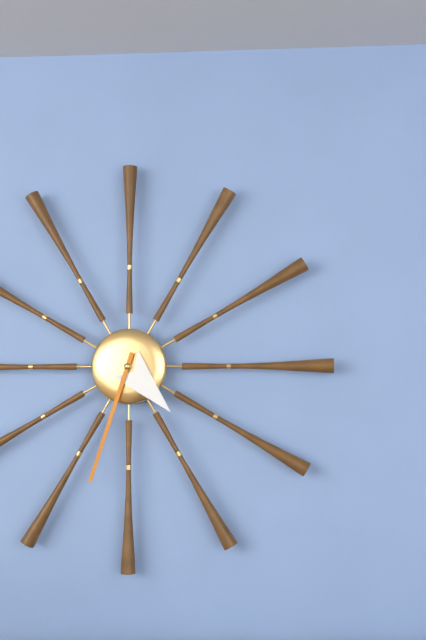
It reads 4:33
